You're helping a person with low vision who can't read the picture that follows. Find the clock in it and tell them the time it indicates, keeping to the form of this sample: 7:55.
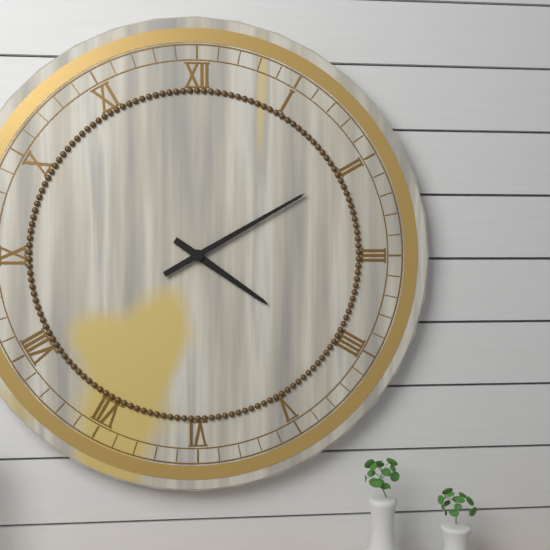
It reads 4:10
